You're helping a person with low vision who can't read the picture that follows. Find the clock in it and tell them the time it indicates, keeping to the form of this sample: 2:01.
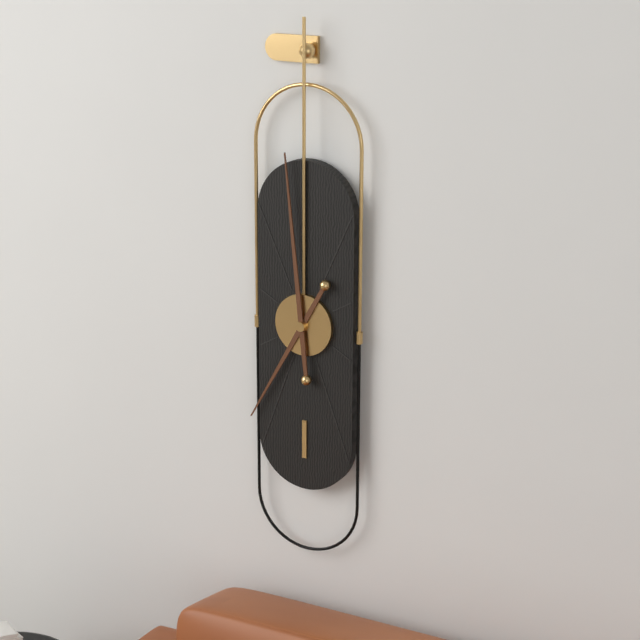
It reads 6:59
